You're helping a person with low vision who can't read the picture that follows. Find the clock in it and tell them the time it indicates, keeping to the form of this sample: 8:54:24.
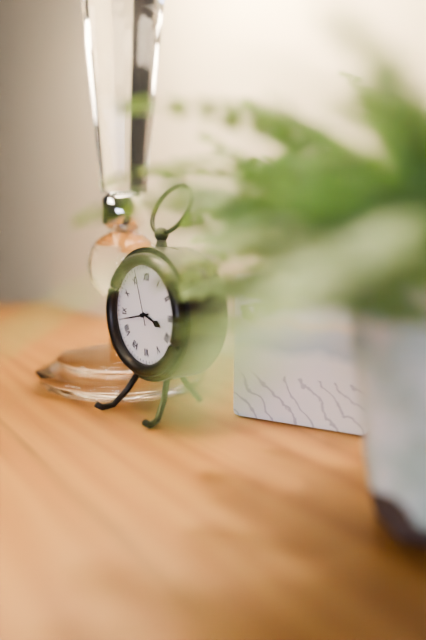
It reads 3:43:57
